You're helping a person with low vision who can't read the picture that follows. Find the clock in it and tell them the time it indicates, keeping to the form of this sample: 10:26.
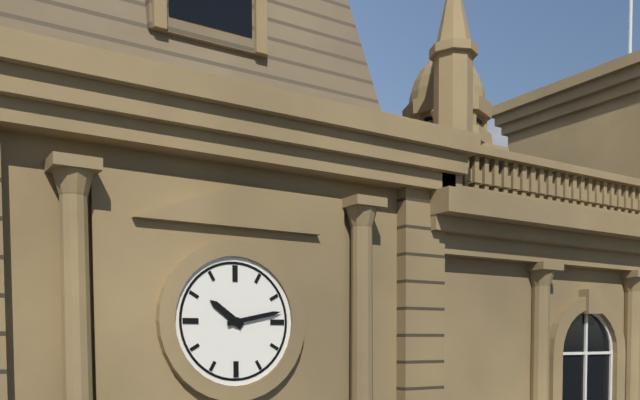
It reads 10:13
